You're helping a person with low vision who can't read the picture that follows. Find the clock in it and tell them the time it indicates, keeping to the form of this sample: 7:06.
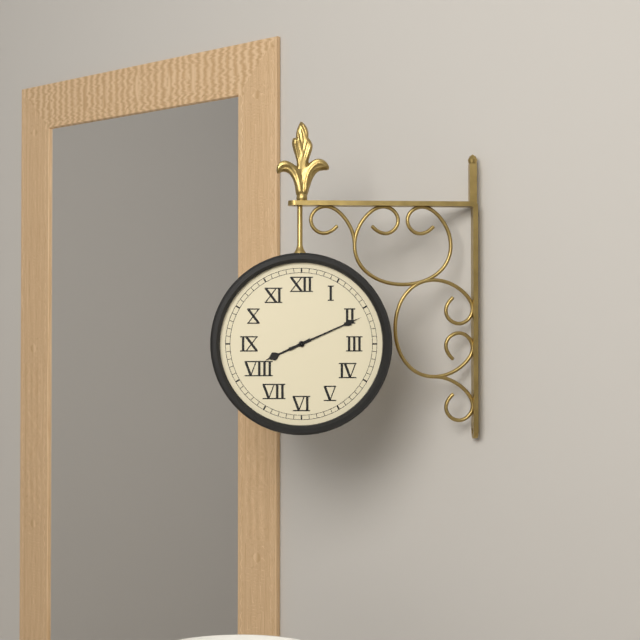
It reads 8:11
